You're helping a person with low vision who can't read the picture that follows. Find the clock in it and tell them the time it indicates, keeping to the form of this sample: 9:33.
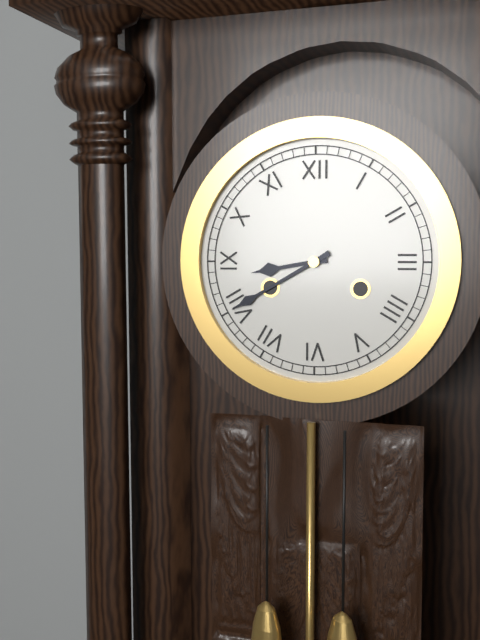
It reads 8:40
